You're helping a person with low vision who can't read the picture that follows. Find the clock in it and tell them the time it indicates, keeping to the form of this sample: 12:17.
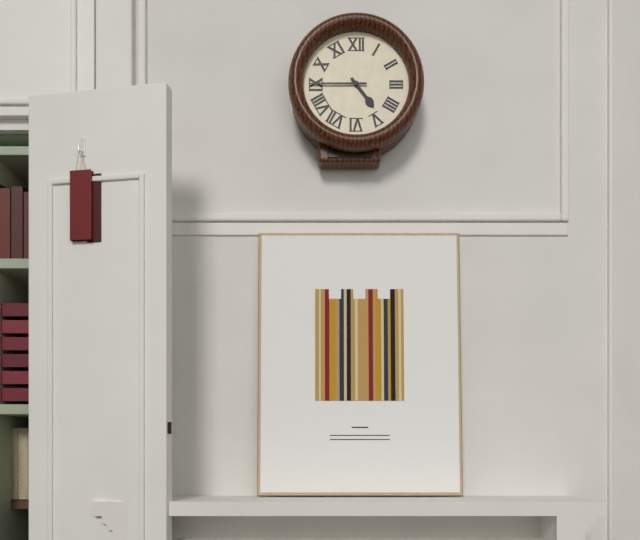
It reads 4:45
